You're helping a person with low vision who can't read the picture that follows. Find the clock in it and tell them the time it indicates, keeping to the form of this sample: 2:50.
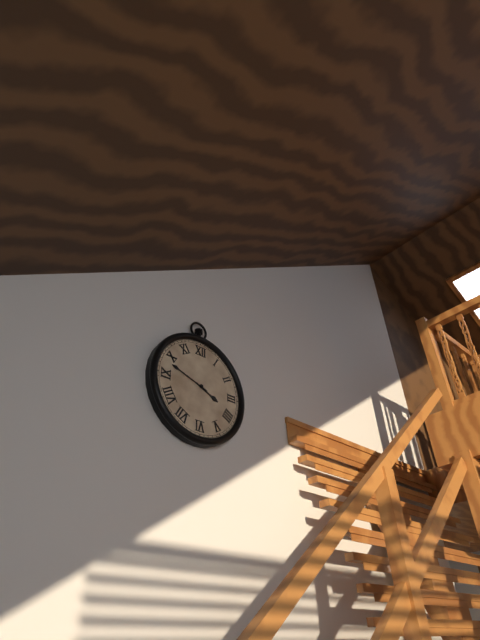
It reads 3:48
